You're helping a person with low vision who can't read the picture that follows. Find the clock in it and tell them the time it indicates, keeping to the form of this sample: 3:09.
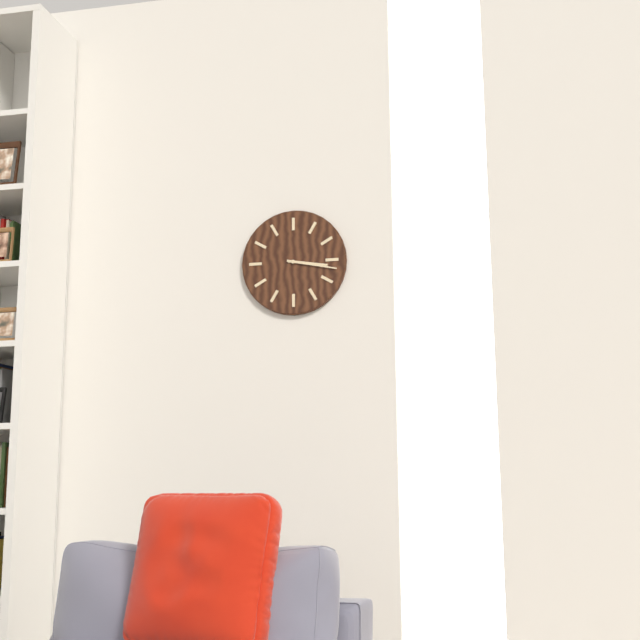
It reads 3:17
